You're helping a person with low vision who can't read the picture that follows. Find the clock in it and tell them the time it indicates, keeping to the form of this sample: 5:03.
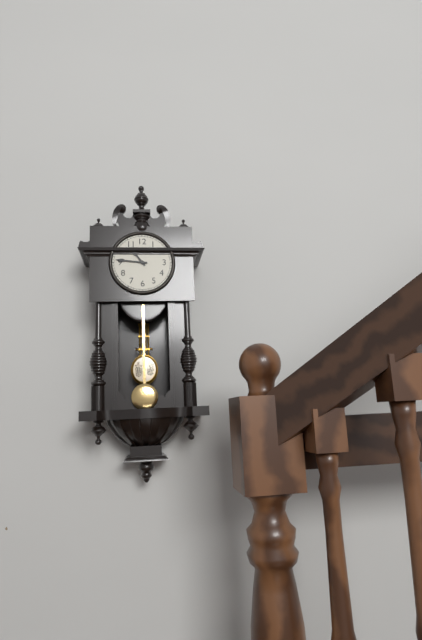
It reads 10:46
